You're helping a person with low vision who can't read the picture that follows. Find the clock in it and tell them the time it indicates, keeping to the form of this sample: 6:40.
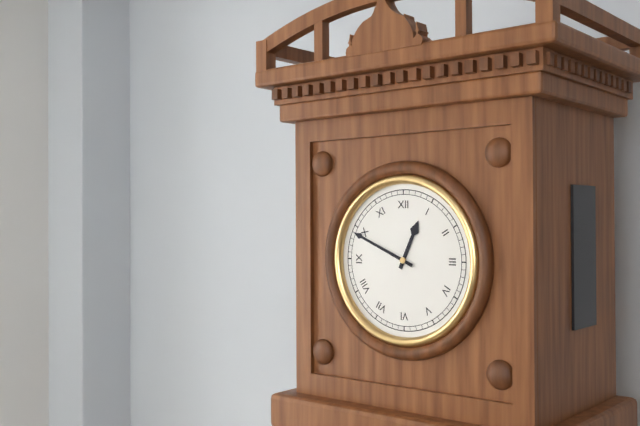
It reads 12:49
